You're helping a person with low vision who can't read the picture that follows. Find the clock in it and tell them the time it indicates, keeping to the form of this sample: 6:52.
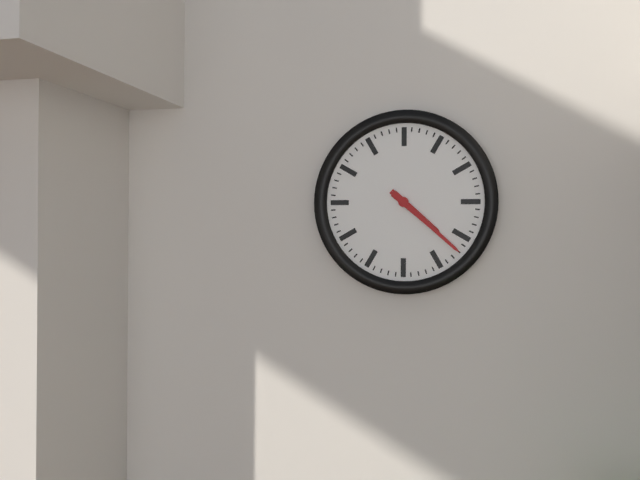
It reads 4:22
